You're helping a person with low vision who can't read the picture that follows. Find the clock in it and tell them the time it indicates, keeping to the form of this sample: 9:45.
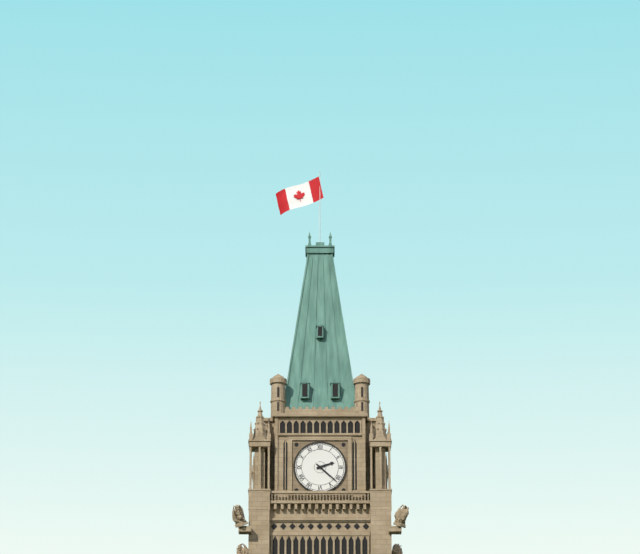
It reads 2:22
